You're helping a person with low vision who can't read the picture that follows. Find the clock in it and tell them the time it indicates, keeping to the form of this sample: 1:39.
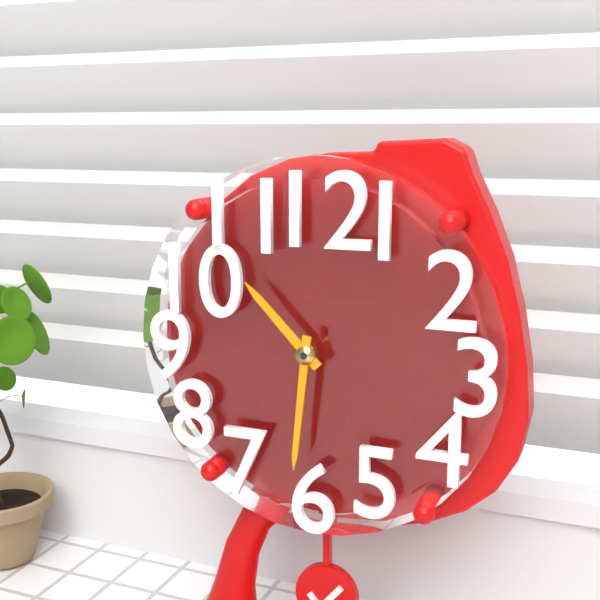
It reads 10:31
